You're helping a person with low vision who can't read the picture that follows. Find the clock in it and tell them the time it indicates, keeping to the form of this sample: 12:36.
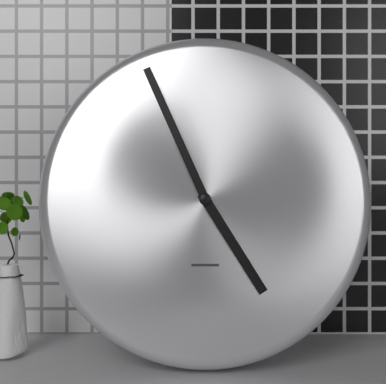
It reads 4:56
